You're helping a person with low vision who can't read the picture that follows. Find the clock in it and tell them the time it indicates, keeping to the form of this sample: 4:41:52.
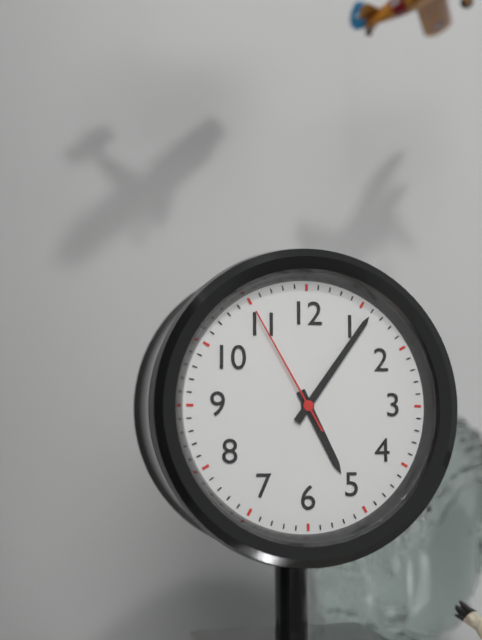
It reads 5:06:55
